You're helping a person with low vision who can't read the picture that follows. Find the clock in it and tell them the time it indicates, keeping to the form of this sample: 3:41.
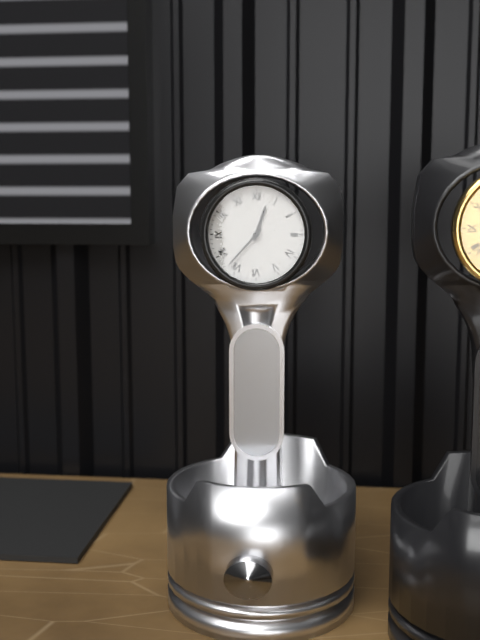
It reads 12:37
